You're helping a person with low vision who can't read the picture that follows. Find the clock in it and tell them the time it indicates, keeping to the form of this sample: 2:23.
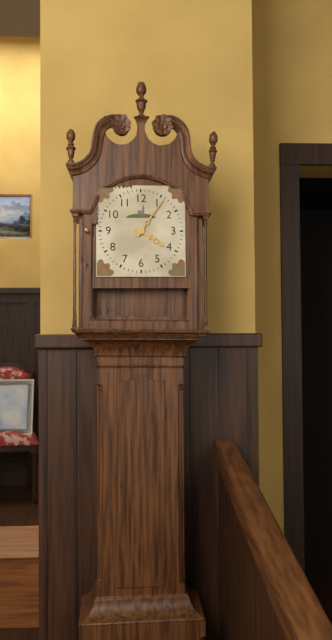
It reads 4:06
